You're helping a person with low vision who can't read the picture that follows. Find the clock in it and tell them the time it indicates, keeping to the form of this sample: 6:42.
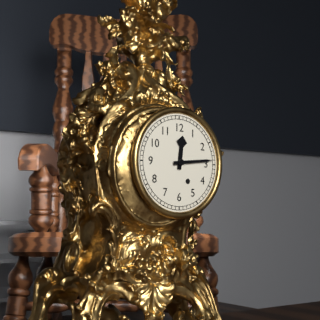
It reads 12:14
